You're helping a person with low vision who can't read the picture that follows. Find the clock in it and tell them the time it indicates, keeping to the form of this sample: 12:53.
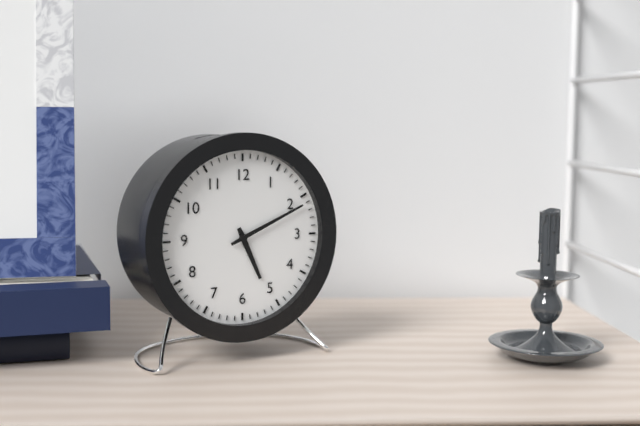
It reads 5:11
